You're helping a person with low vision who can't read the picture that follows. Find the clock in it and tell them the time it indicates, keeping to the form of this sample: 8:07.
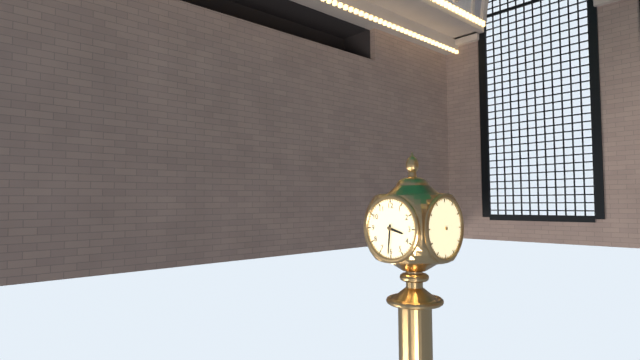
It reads 3:31
